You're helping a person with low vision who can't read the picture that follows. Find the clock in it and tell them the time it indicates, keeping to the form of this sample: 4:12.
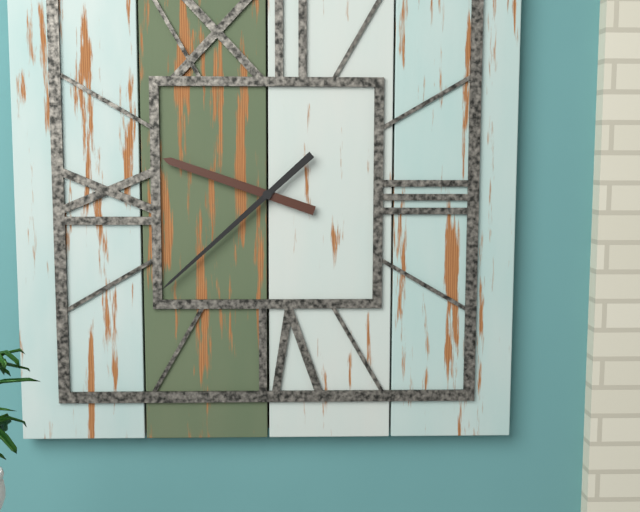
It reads 9:38
